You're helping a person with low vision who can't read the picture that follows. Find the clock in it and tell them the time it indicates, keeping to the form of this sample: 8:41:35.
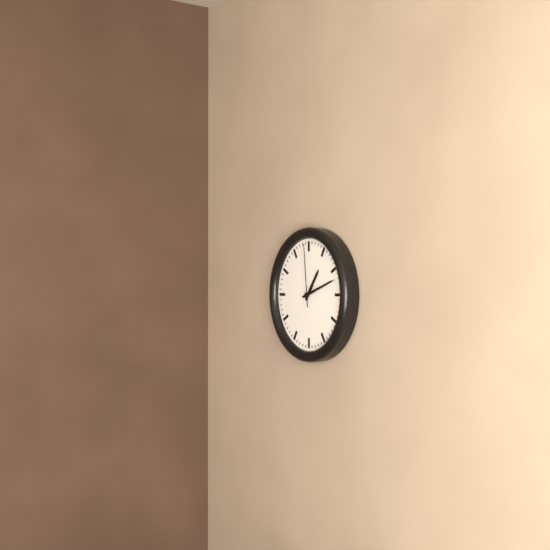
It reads 1:12:59
